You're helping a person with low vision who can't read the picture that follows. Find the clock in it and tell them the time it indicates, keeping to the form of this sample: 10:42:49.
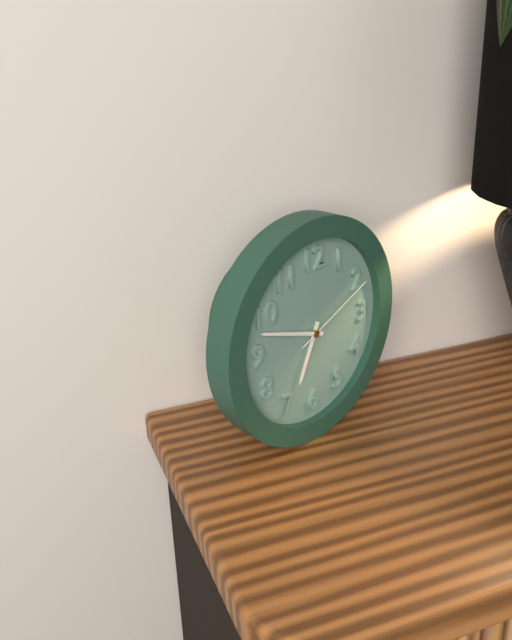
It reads 6:48:11
